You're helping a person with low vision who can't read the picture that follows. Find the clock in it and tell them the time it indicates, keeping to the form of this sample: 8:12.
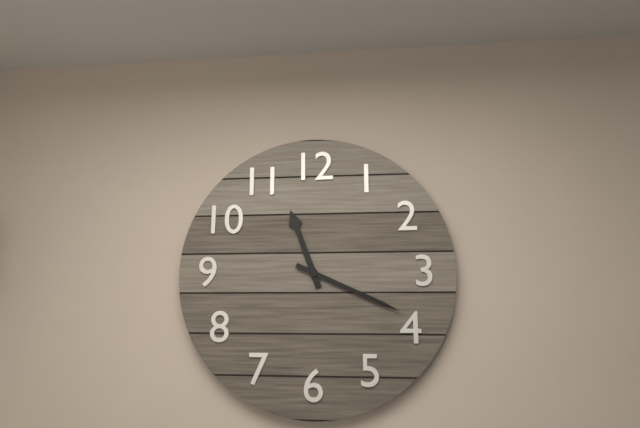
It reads 11:19
